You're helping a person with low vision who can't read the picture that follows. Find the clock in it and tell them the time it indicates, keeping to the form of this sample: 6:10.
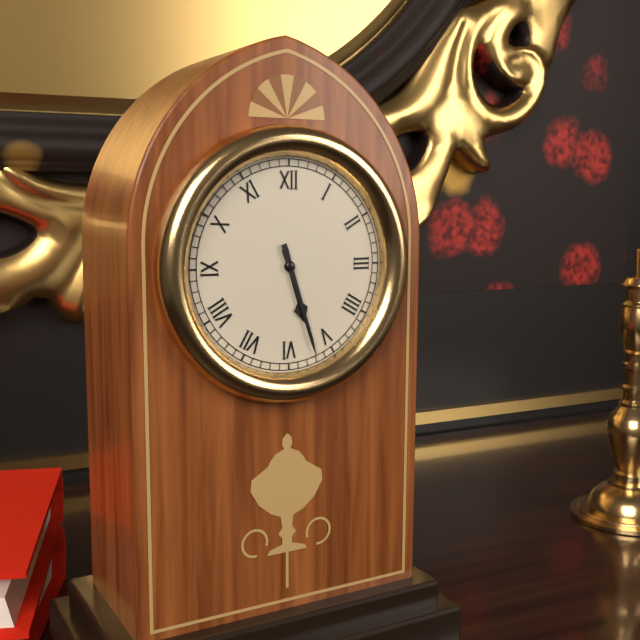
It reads 5:27
